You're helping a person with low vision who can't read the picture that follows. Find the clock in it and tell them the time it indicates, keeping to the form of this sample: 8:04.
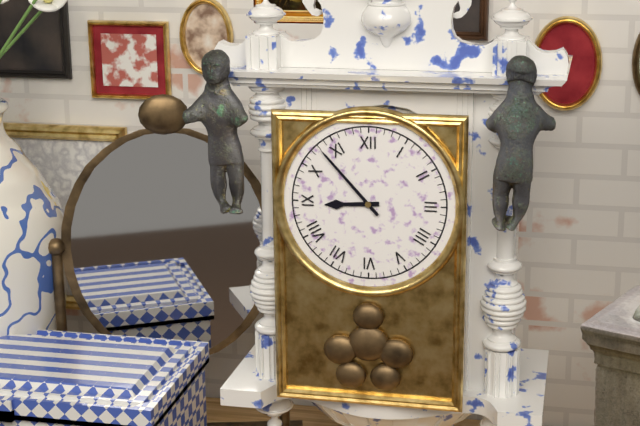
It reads 8:53
